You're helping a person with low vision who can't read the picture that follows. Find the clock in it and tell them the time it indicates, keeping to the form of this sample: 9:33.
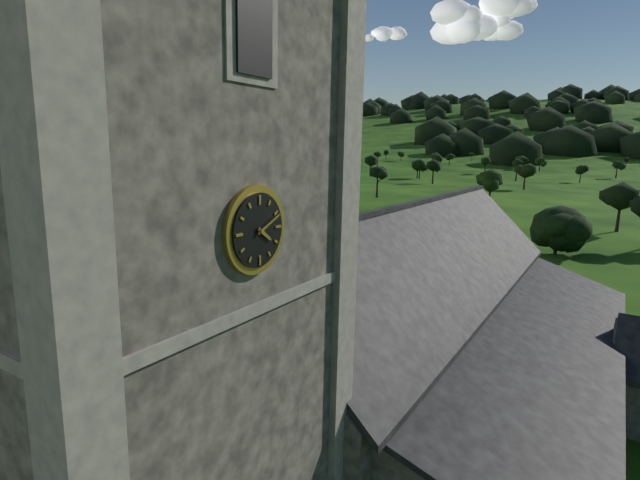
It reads 4:11
